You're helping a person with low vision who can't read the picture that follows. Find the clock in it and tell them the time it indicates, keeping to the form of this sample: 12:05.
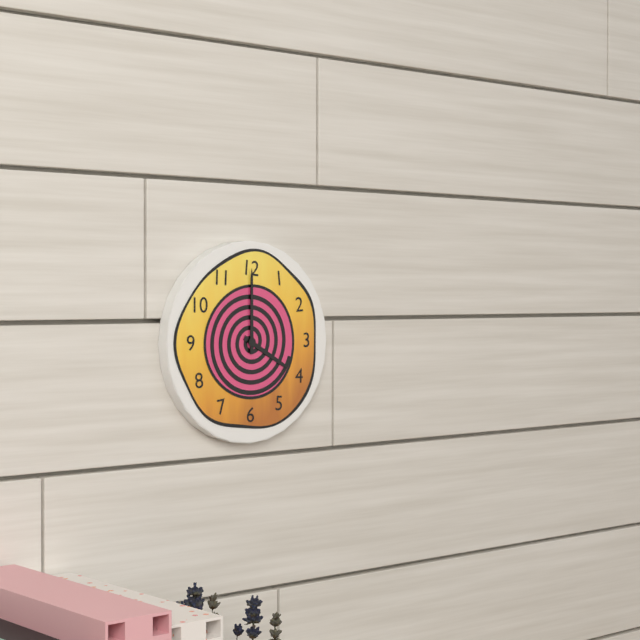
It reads 4:00
